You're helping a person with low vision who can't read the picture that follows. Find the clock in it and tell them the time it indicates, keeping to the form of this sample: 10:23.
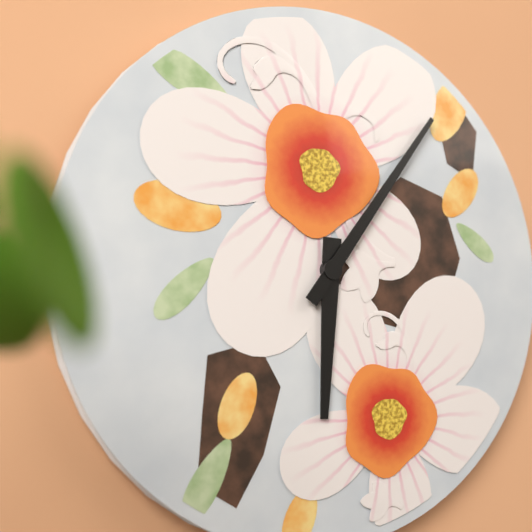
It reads 6:06
